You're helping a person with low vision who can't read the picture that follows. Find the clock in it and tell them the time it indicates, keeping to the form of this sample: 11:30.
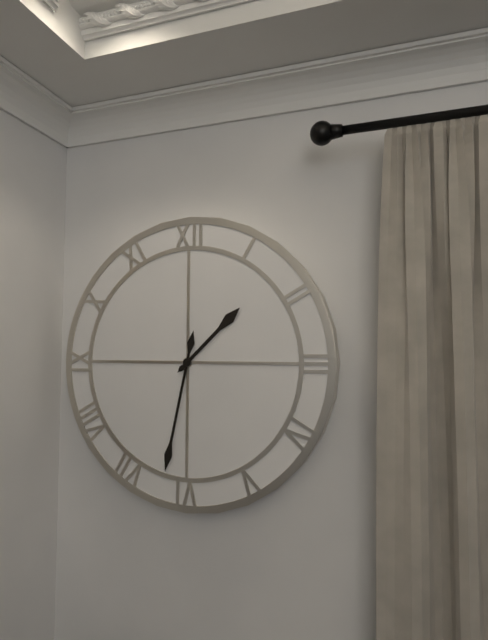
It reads 1:32
